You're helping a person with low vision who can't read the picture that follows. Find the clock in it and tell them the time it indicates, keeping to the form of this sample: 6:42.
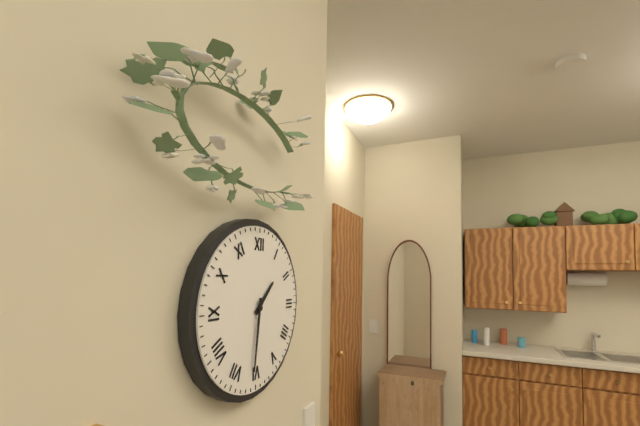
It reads 1:31
